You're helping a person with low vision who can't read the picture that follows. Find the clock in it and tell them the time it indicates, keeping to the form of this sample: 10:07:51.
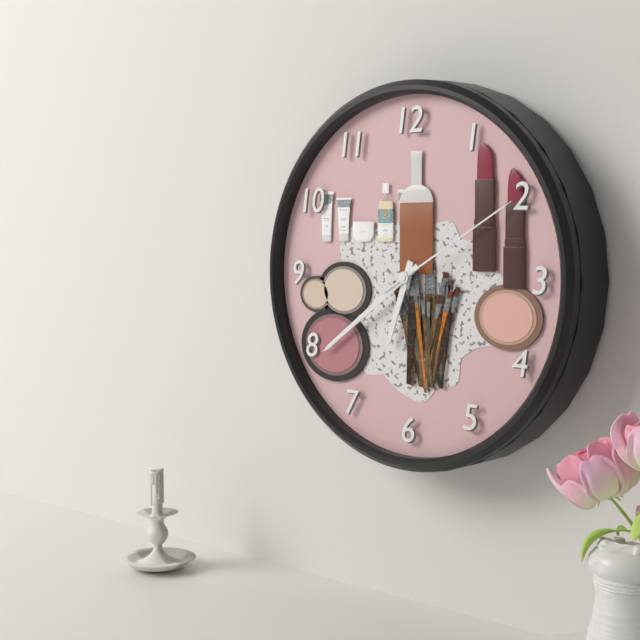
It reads 6:39:10
